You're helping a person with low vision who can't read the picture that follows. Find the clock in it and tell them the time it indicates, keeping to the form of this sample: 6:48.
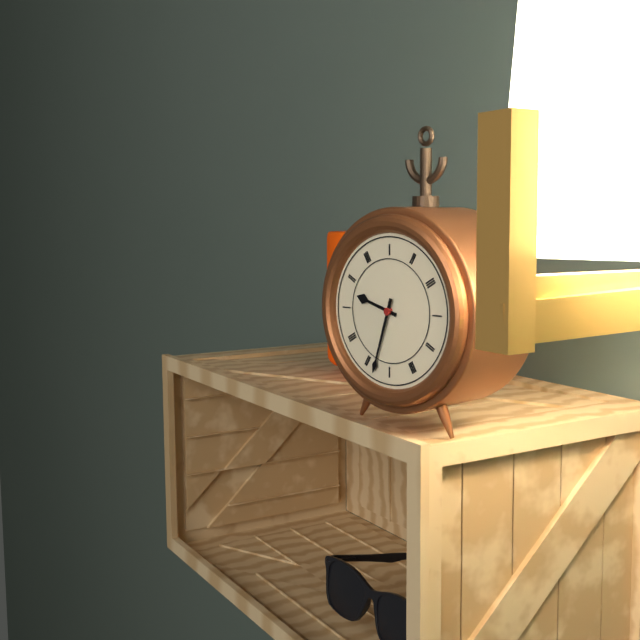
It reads 9:33
